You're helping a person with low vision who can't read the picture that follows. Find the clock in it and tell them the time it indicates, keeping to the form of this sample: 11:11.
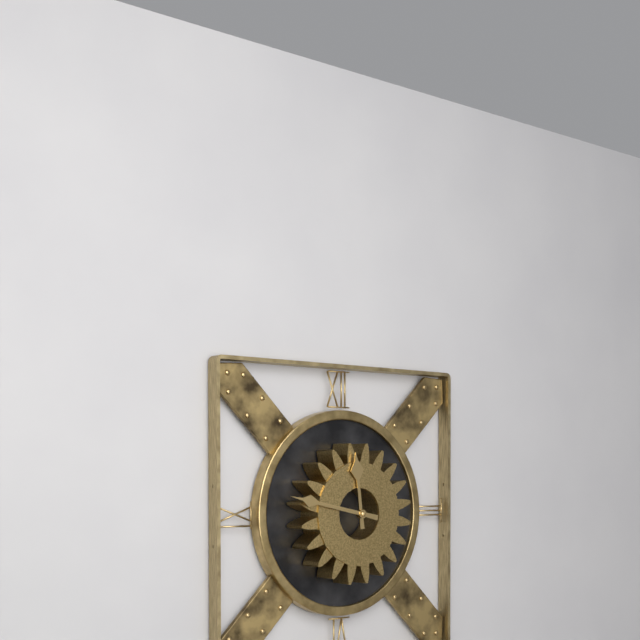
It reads 11:47
